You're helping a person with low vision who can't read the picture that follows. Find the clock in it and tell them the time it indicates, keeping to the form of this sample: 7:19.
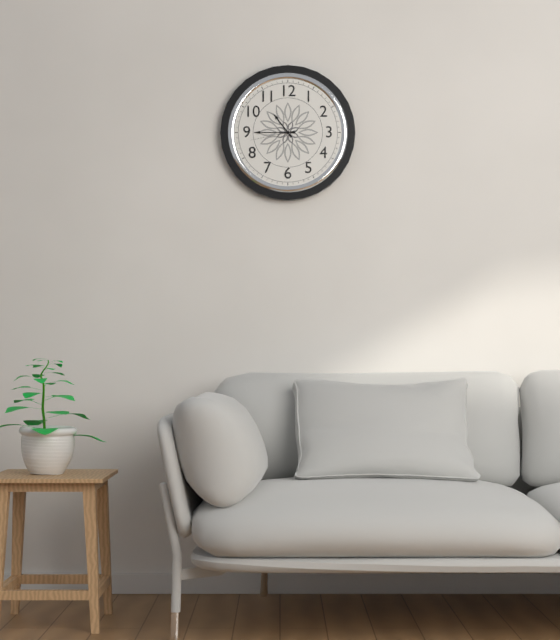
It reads 10:45
